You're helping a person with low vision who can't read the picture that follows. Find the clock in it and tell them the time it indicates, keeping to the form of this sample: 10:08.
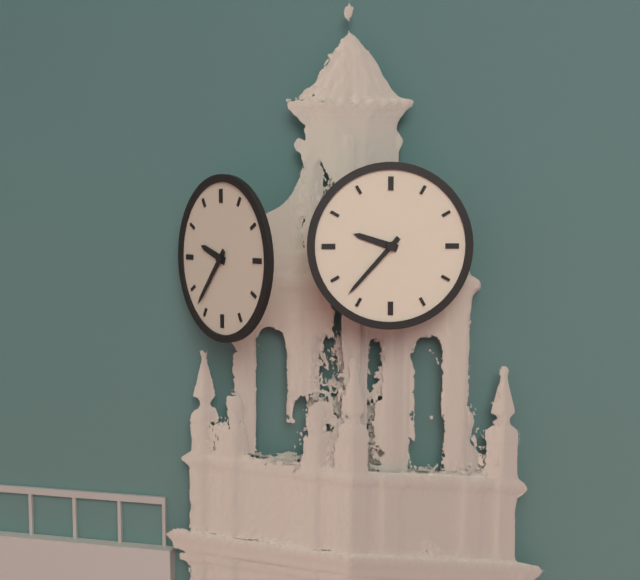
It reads 9:37
